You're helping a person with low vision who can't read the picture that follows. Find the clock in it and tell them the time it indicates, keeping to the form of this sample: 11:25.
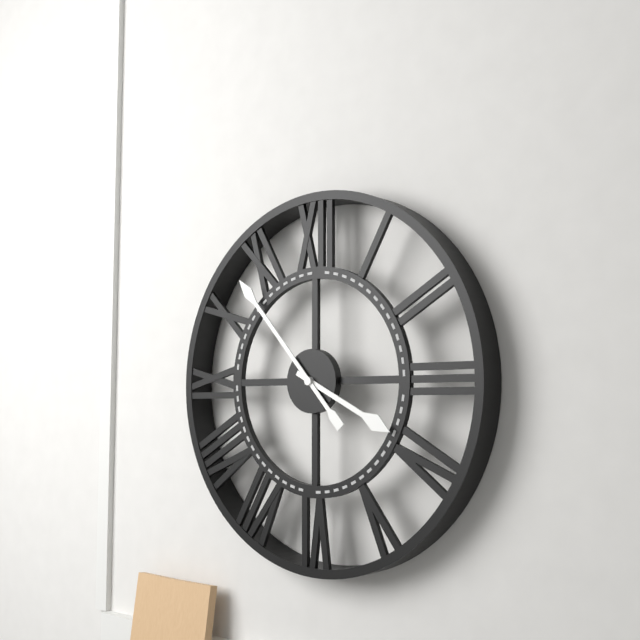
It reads 3:53
